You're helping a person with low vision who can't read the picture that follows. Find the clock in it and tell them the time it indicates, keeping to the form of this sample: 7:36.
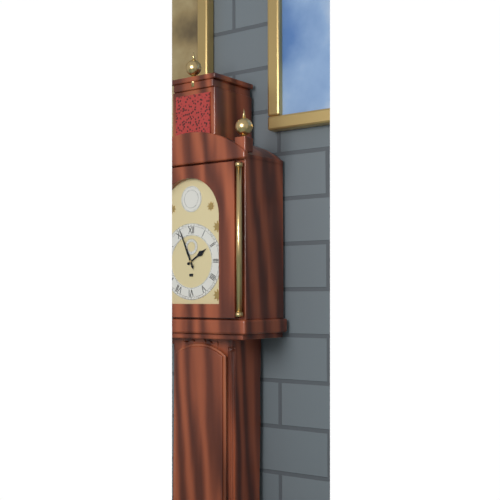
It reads 1:56
